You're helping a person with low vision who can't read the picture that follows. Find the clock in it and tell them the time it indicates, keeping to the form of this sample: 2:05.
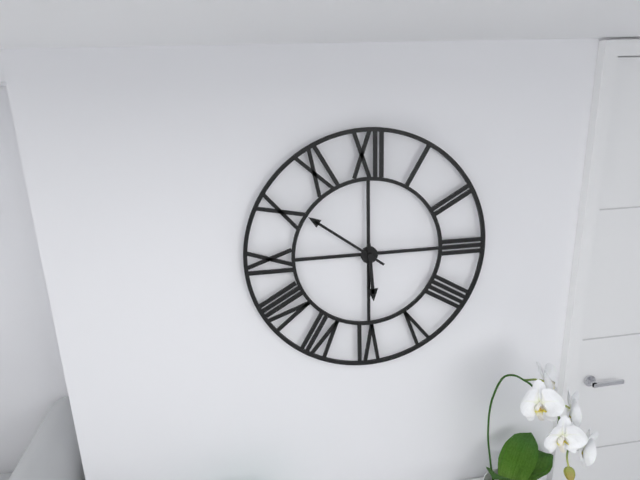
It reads 5:51
